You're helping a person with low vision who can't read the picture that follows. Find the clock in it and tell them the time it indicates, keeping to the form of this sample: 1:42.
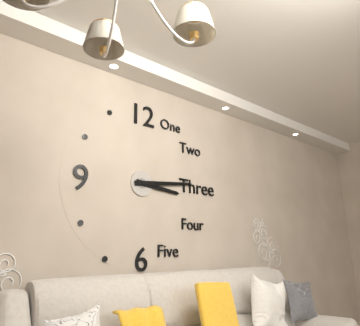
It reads 3:14
